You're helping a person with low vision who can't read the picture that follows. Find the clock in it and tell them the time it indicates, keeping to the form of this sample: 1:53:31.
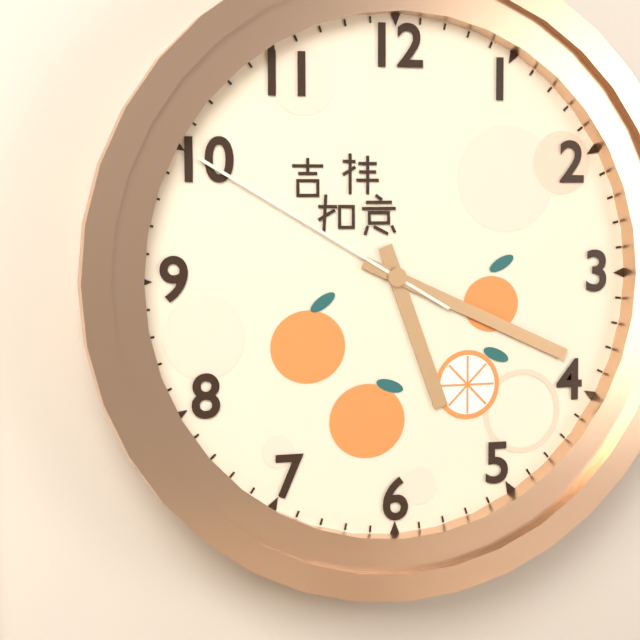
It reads 5:19:50
